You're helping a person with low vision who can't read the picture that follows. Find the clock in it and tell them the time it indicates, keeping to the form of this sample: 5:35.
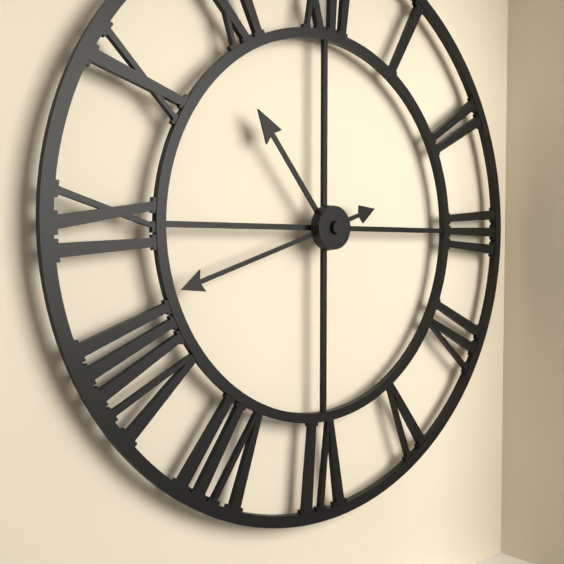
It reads 10:42
